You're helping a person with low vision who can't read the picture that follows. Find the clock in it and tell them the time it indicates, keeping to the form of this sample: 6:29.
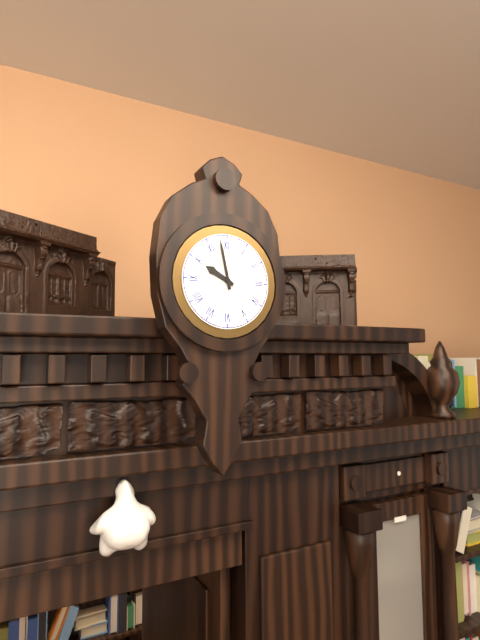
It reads 9:58
